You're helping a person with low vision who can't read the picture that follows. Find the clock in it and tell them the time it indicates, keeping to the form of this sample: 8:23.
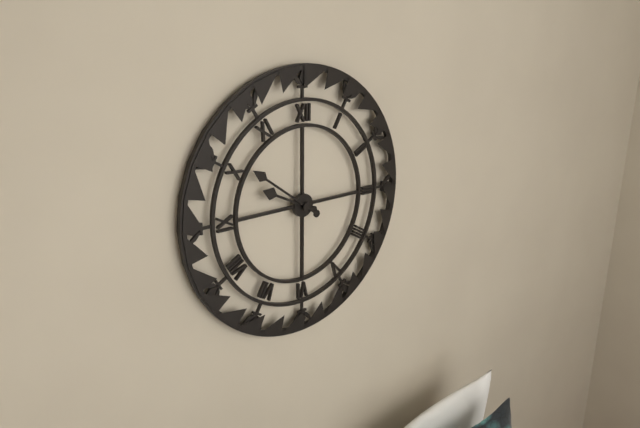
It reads 9:51
